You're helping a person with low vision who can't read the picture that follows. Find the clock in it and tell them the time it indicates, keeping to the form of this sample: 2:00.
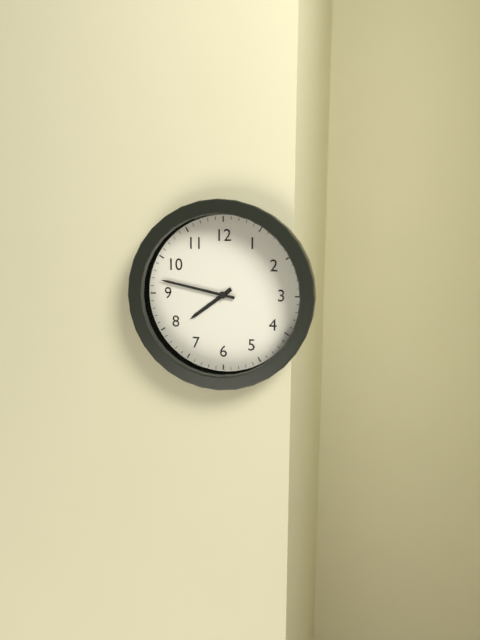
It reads 7:47
